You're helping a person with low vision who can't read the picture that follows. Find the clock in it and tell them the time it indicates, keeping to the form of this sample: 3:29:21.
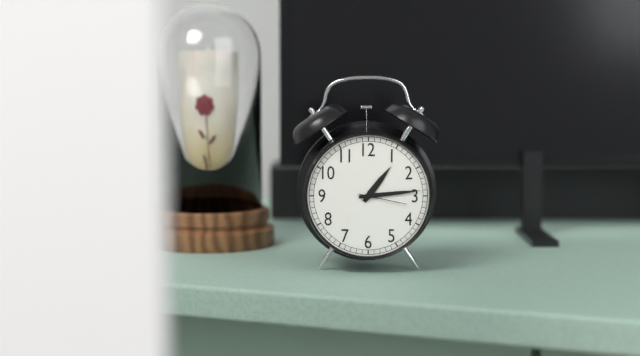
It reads 1:14:17
